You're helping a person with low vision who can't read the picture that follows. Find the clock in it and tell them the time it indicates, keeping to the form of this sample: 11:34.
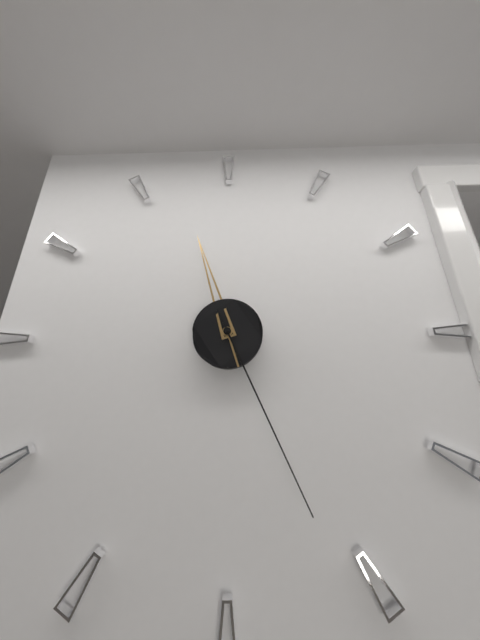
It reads 11:26
